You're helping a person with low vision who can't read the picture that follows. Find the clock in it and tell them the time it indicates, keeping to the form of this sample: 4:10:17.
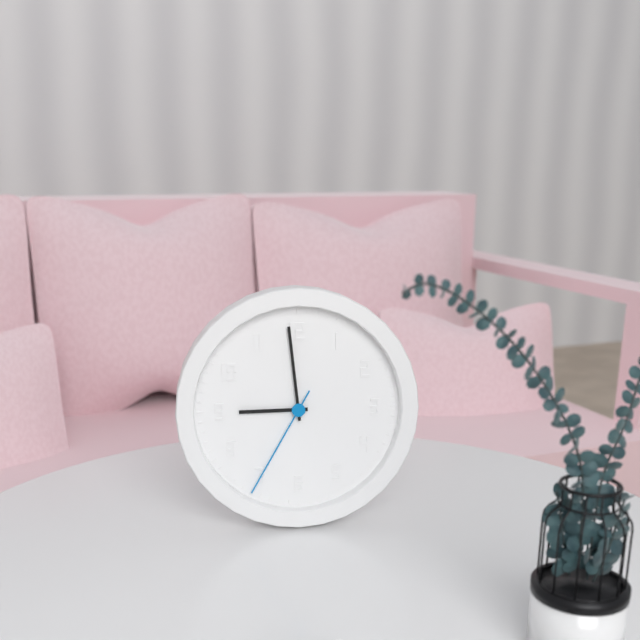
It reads 8:59:35
